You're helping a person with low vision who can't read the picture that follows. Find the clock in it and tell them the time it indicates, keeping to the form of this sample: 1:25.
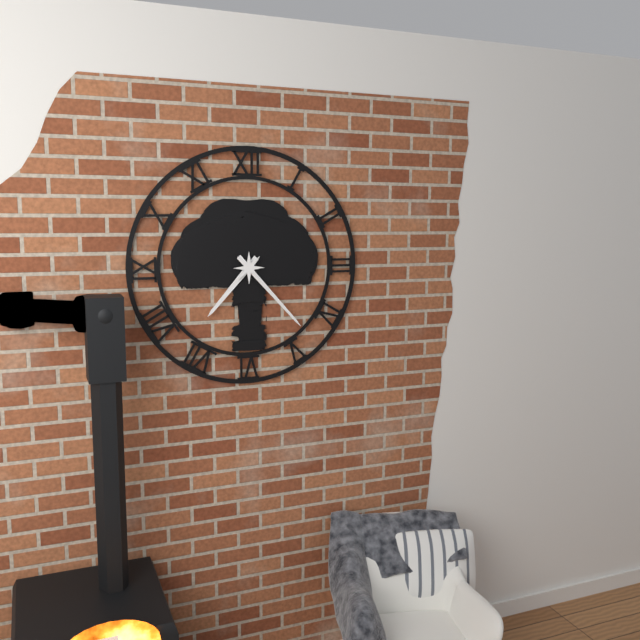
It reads 7:23
